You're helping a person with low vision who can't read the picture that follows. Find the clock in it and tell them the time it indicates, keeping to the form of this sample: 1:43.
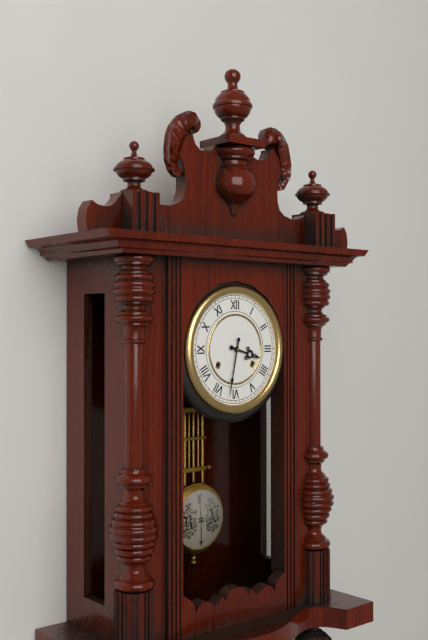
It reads 3:32
